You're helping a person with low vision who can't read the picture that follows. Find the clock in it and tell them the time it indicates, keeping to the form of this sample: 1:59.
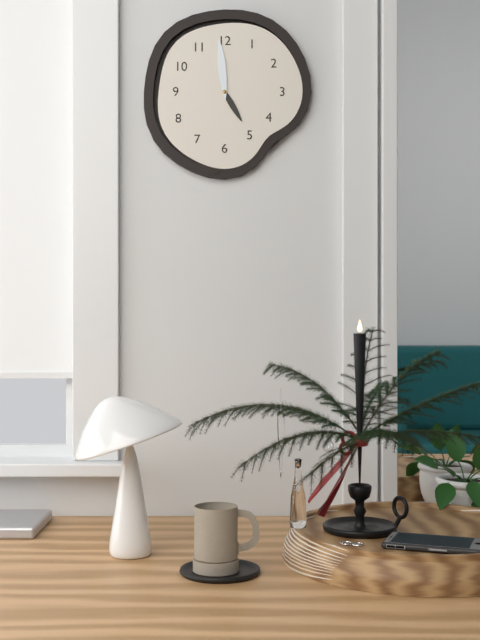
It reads 4:59
